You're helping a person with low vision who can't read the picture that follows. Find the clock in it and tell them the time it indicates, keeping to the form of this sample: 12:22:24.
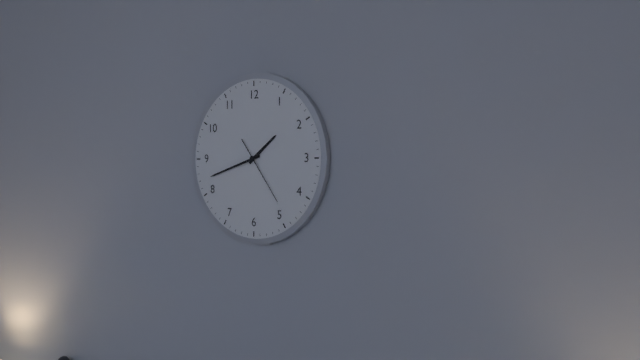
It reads 1:42:24
